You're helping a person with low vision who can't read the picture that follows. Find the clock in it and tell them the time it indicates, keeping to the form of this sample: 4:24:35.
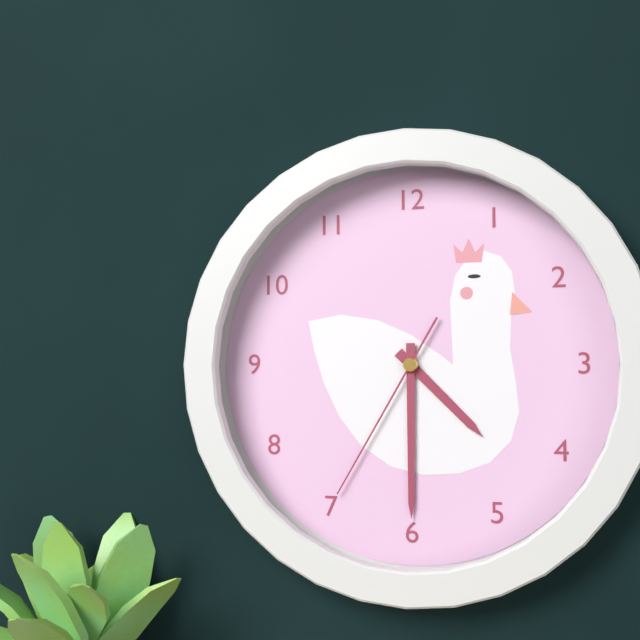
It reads 4:30:35
